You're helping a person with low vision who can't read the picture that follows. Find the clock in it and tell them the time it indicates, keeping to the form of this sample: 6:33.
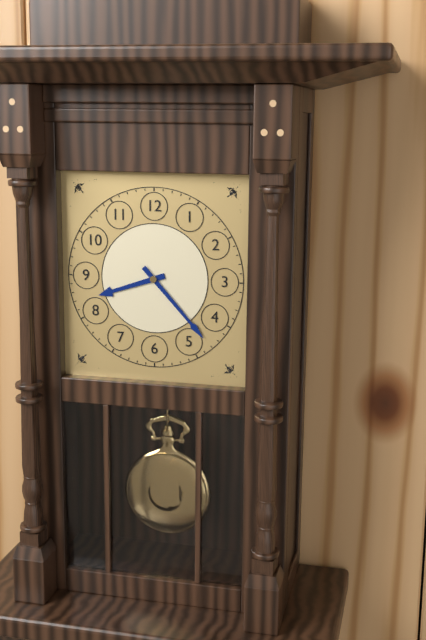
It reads 8:23
